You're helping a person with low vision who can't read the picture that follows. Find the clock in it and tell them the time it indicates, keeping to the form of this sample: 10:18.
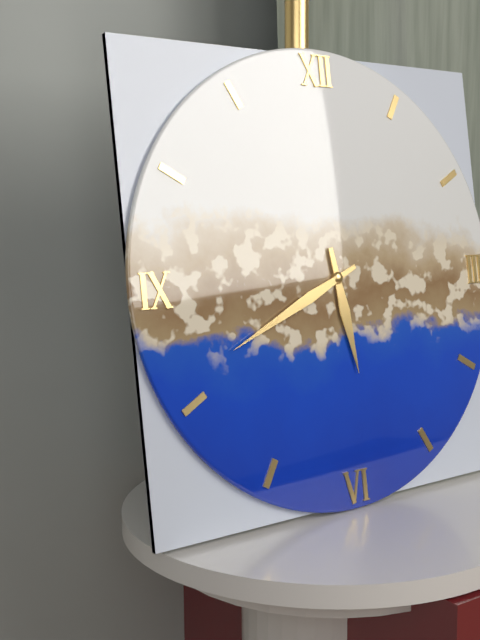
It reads 5:41
